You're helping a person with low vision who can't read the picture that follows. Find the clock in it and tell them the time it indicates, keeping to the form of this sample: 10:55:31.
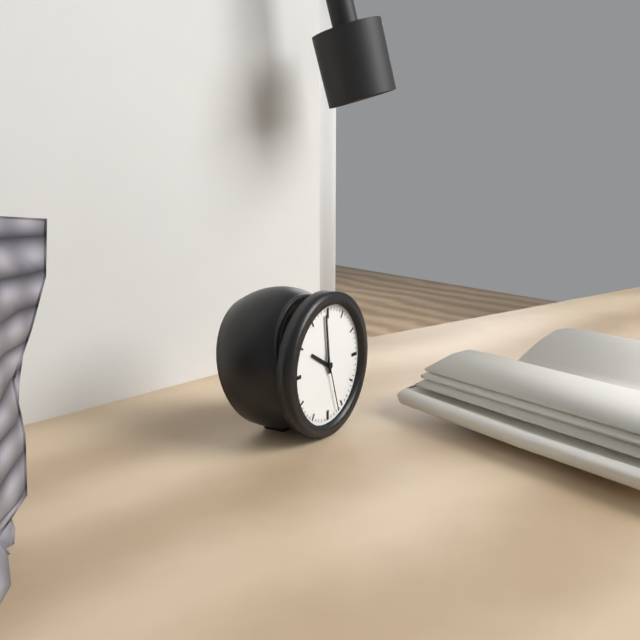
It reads 9:59:27
